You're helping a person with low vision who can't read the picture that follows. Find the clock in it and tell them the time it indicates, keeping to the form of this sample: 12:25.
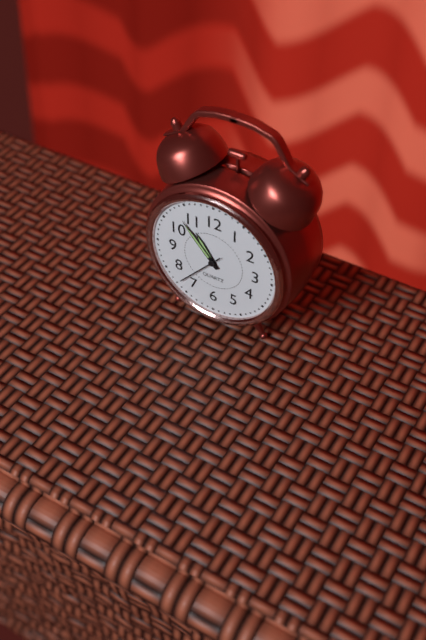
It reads 10:53
